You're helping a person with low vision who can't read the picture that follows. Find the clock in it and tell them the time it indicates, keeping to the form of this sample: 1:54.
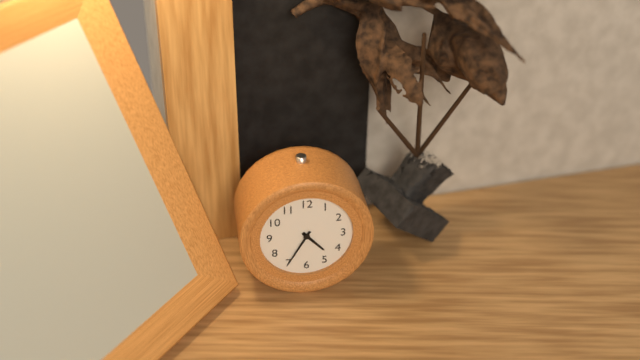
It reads 4:35
